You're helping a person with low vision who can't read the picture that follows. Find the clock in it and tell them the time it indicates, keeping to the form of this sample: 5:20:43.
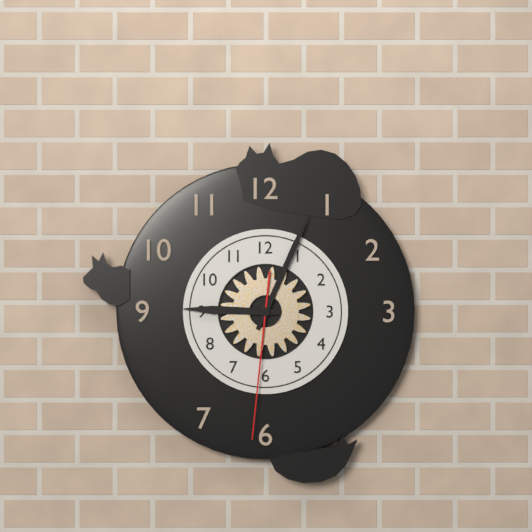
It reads 9:04:31
